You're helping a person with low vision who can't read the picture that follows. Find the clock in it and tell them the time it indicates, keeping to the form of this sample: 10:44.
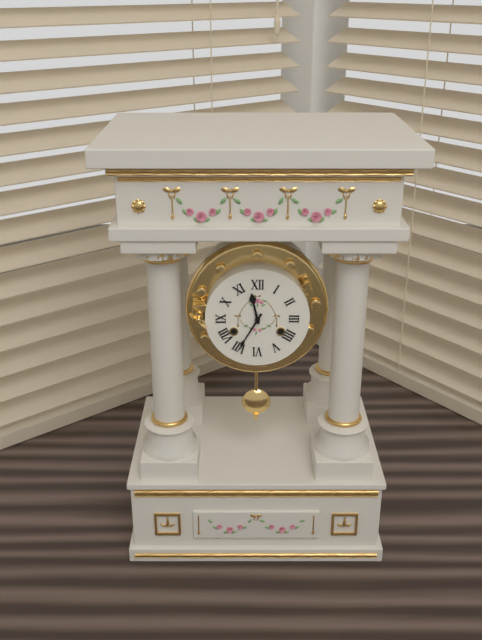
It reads 11:35
